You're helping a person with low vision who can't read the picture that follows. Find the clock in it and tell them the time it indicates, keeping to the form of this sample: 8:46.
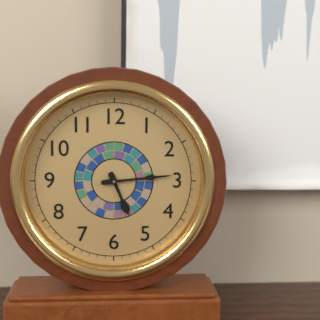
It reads 5:14
